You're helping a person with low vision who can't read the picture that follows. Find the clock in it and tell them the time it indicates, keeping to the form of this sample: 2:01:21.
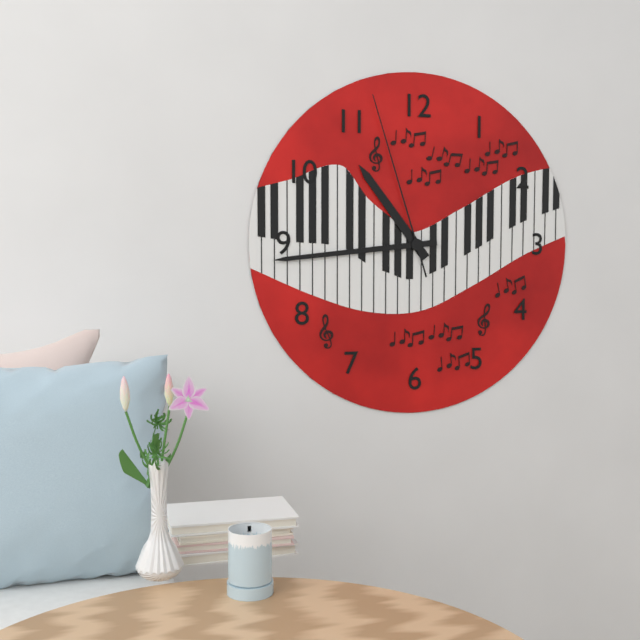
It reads 10:44:57
